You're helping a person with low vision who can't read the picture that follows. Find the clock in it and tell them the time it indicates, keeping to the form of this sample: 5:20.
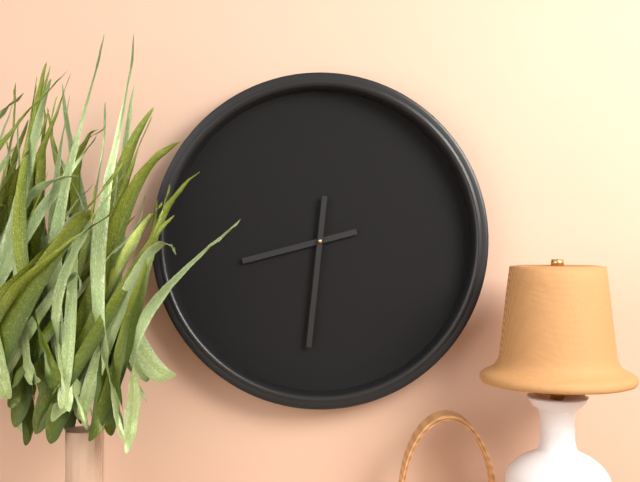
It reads 8:31
